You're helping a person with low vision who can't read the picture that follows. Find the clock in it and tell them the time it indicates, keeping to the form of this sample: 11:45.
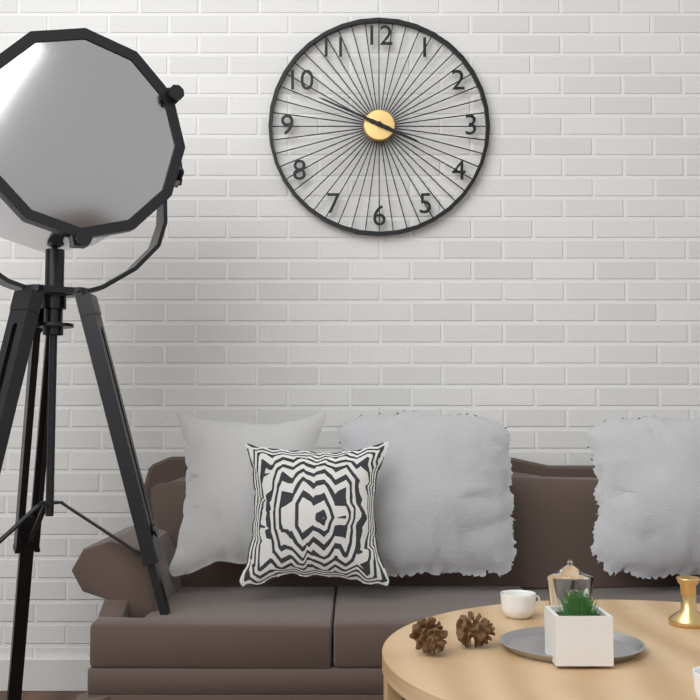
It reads 3:49
